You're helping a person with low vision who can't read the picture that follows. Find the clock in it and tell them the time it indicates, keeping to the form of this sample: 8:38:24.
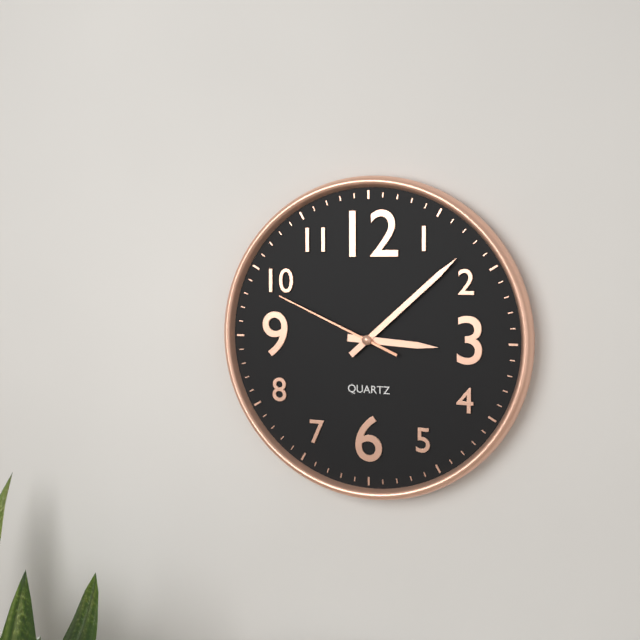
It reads 3:08:49
